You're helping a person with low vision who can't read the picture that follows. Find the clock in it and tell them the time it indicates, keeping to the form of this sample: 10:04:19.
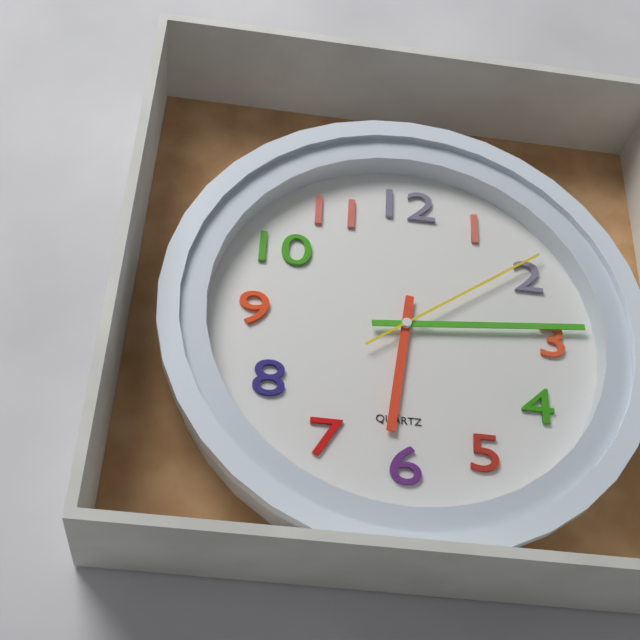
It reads 6:14:09
